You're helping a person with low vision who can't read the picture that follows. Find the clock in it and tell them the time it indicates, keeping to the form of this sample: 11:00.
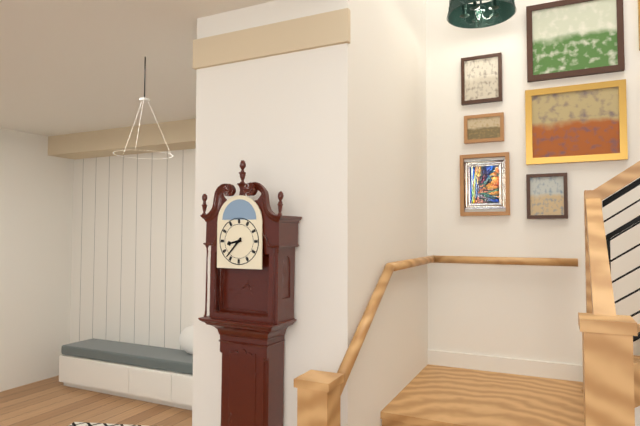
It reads 8:37
